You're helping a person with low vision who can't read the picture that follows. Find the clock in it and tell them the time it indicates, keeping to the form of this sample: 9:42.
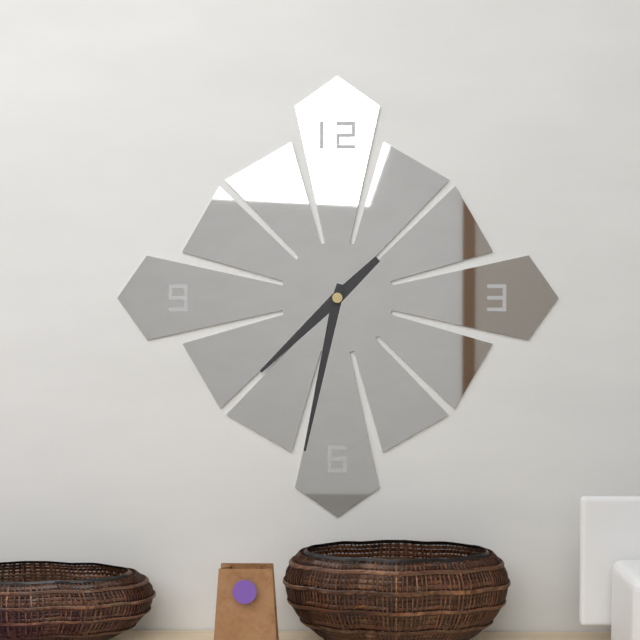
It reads 7:32
